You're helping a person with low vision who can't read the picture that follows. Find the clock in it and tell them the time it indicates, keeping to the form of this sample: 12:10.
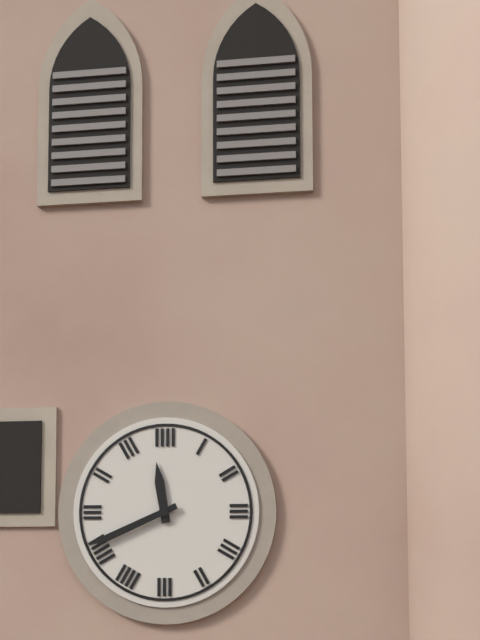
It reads 11:41
